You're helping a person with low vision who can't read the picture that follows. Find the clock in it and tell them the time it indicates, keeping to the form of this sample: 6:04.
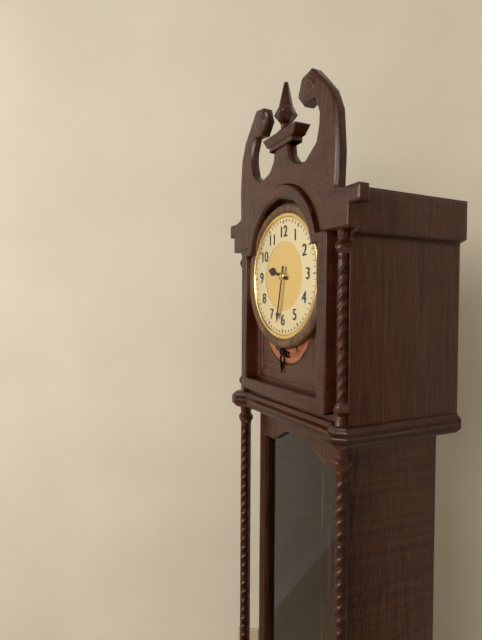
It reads 9:32
